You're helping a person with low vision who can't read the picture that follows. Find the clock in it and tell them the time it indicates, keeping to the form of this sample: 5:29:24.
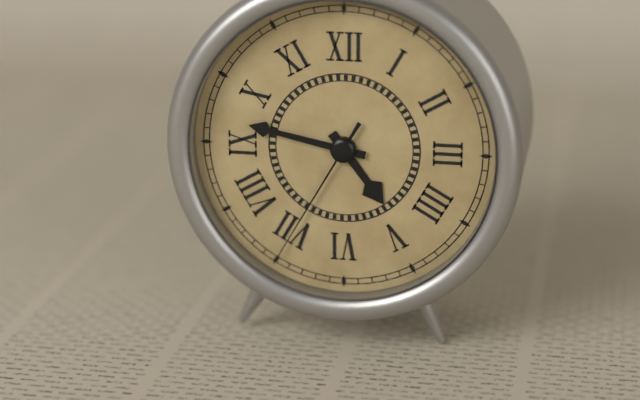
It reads 4:47:35
